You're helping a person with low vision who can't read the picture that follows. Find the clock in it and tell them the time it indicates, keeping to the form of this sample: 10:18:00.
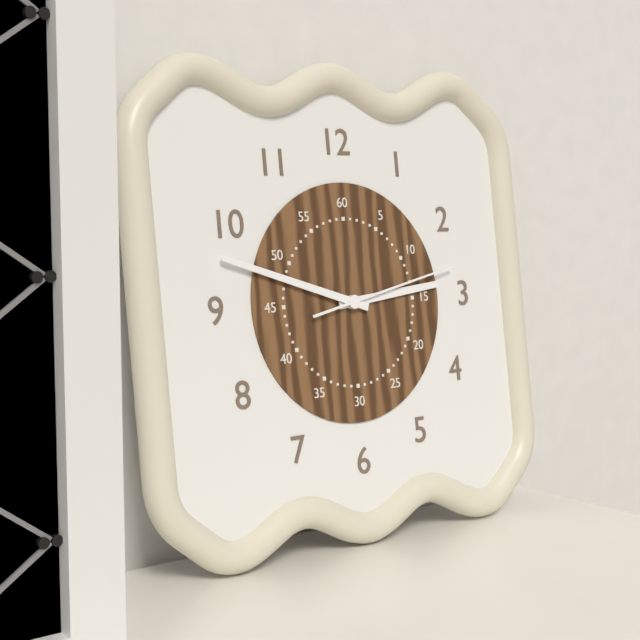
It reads 2:48:13
